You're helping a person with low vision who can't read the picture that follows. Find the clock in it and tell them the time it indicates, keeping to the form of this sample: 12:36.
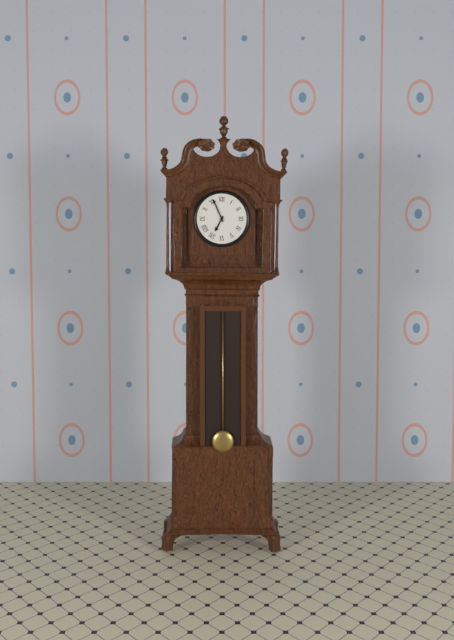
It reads 6:56
